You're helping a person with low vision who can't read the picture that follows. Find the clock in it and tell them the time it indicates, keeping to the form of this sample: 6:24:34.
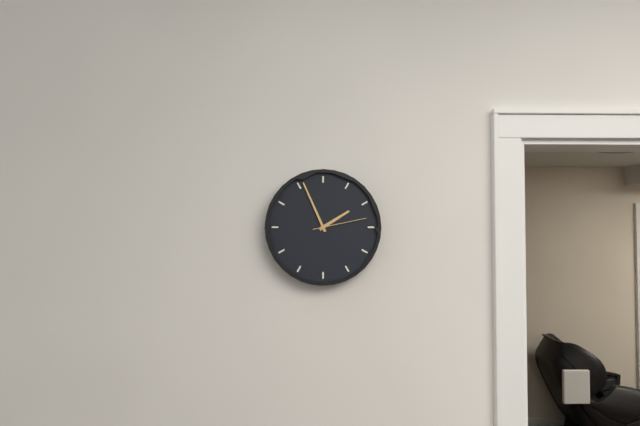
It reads 1:56:13
